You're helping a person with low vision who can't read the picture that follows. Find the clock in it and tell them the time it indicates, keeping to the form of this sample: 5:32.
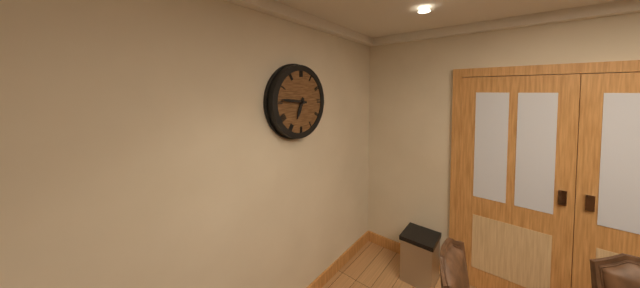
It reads 6:46
